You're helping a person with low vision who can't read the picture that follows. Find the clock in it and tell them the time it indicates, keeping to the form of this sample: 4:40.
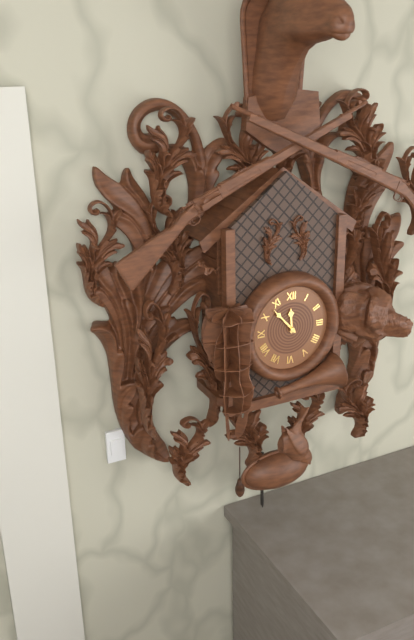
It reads 11:53
